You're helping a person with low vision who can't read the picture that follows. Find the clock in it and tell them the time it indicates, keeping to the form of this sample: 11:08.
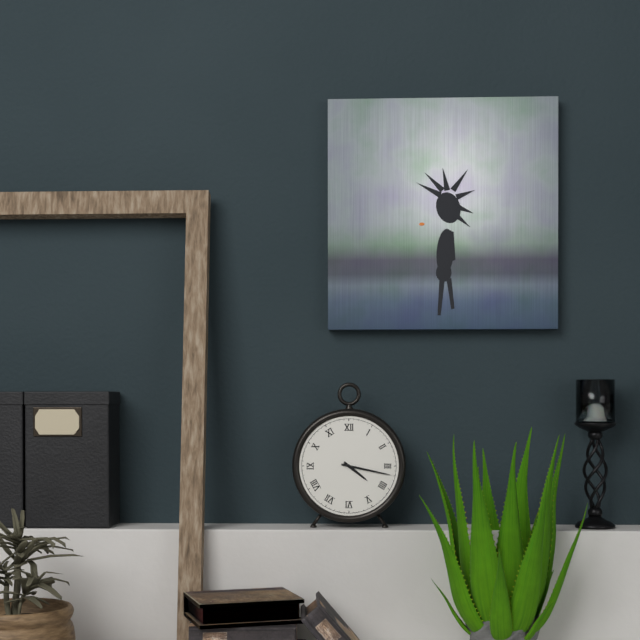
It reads 4:17
